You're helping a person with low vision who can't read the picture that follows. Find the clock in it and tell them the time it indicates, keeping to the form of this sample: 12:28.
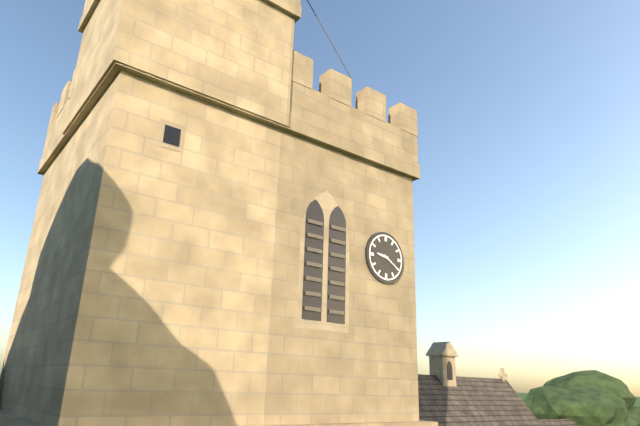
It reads 9:20
